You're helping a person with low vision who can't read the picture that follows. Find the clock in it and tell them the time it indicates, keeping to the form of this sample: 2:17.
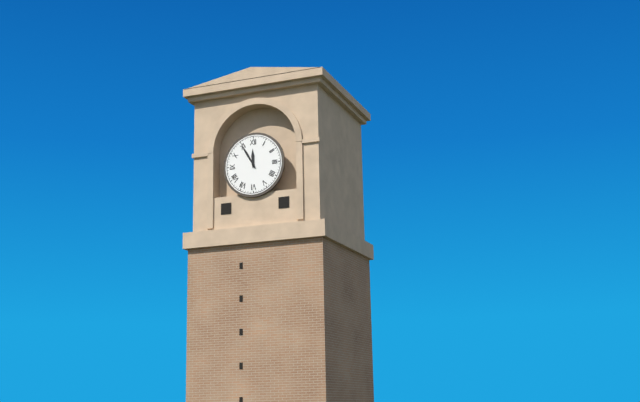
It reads 11:55
